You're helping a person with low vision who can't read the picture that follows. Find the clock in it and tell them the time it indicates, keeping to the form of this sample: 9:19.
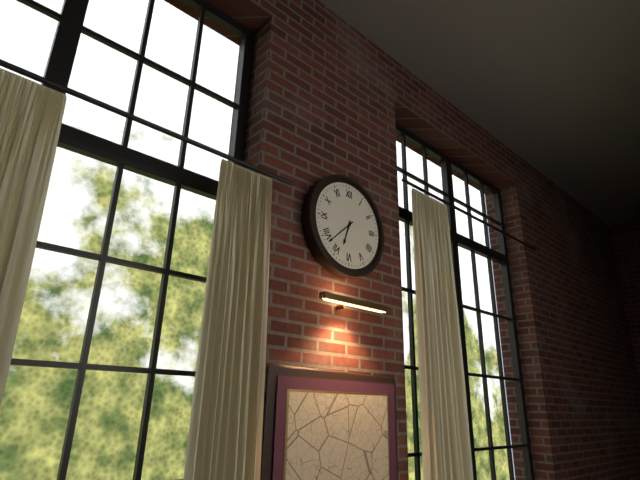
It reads 6:38
